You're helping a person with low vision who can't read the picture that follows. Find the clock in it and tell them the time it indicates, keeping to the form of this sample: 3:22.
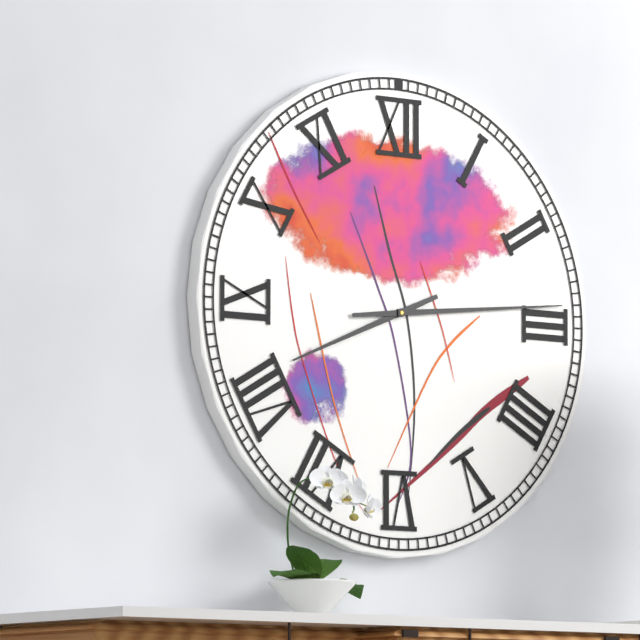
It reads 8:14
